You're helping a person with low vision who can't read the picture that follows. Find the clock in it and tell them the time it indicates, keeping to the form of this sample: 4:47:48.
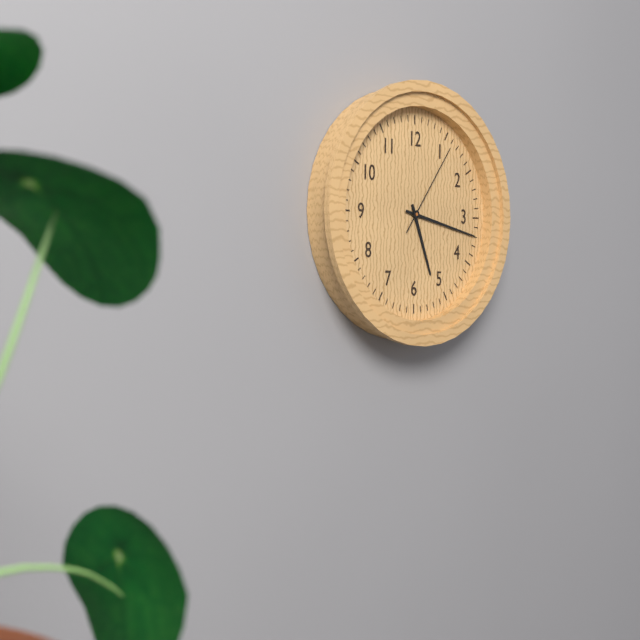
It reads 5:17:06
